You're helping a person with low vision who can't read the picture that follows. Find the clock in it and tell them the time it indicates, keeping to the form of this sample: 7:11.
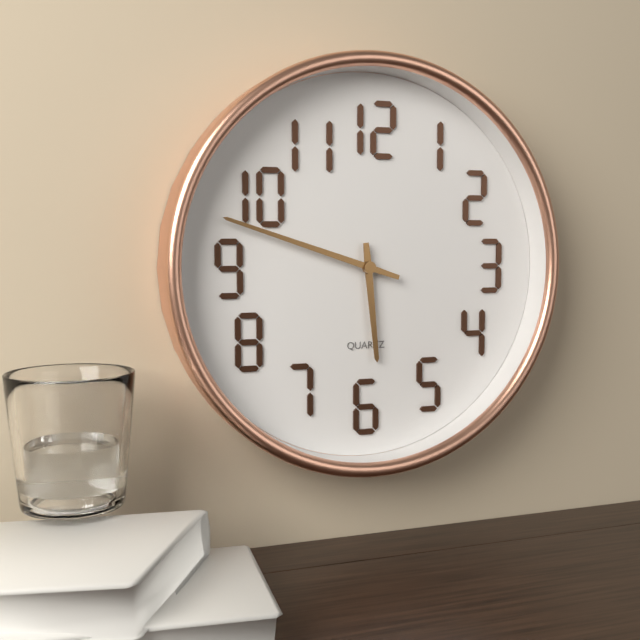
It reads 5:48
